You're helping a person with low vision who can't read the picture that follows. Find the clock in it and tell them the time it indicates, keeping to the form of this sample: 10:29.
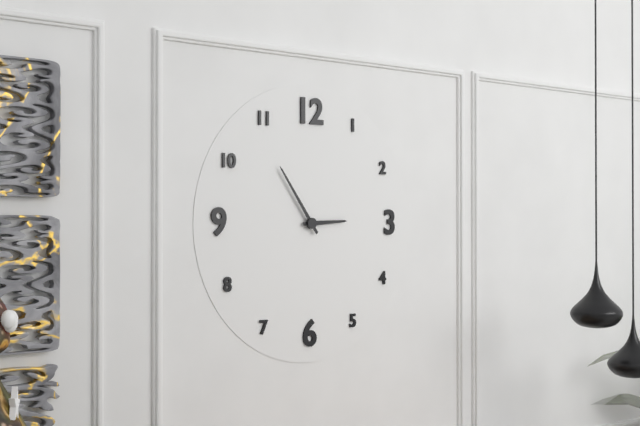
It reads 2:54
